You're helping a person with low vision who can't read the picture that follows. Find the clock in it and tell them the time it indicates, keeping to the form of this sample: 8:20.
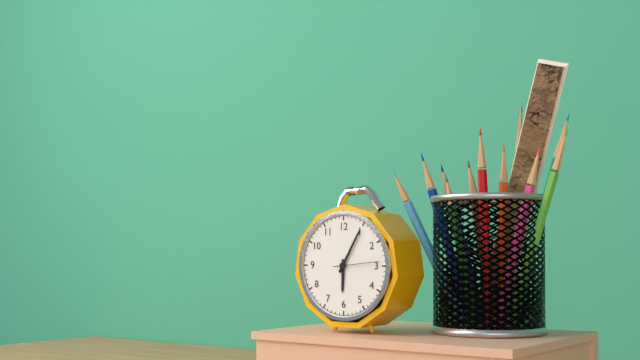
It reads 6:05
